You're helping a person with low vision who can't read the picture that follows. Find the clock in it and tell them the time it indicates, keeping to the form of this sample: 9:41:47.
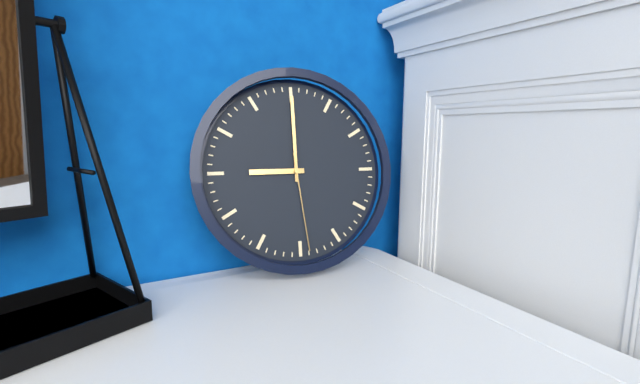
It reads 9:00:29
